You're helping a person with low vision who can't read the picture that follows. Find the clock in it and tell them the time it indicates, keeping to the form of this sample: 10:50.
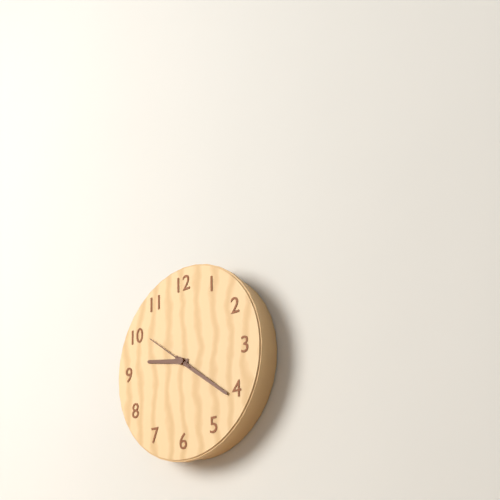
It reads 9:21
